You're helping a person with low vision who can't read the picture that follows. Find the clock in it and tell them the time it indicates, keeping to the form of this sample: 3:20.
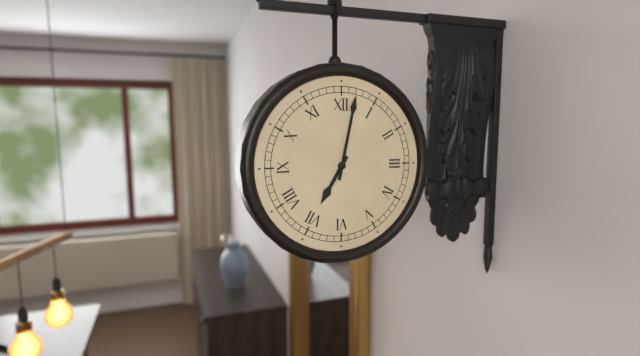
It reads 7:02
